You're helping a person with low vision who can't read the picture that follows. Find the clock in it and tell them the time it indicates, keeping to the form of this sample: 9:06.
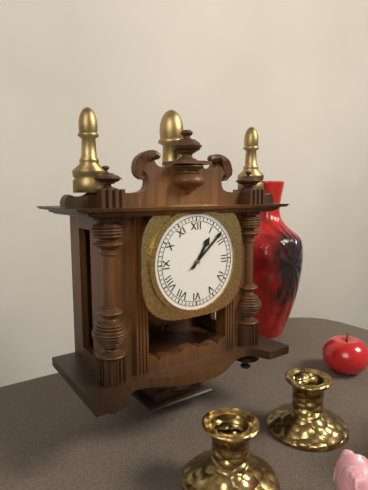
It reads 1:08
